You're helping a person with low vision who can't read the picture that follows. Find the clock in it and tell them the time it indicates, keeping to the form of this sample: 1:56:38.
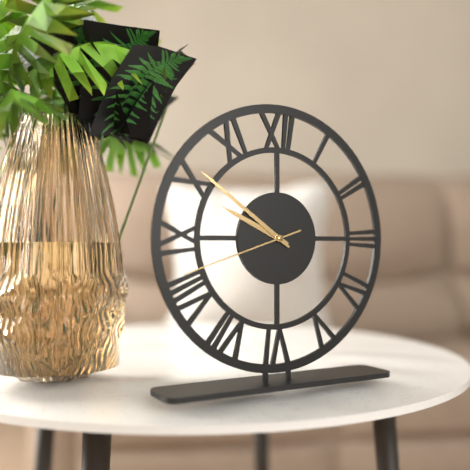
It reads 9:51:42
